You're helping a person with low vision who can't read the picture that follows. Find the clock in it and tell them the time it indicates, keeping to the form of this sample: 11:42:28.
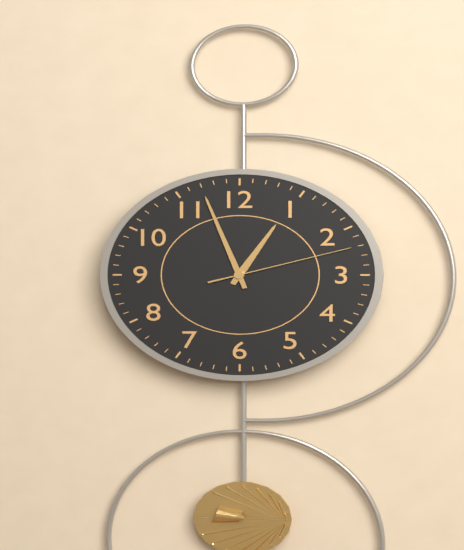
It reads 12:57:12
